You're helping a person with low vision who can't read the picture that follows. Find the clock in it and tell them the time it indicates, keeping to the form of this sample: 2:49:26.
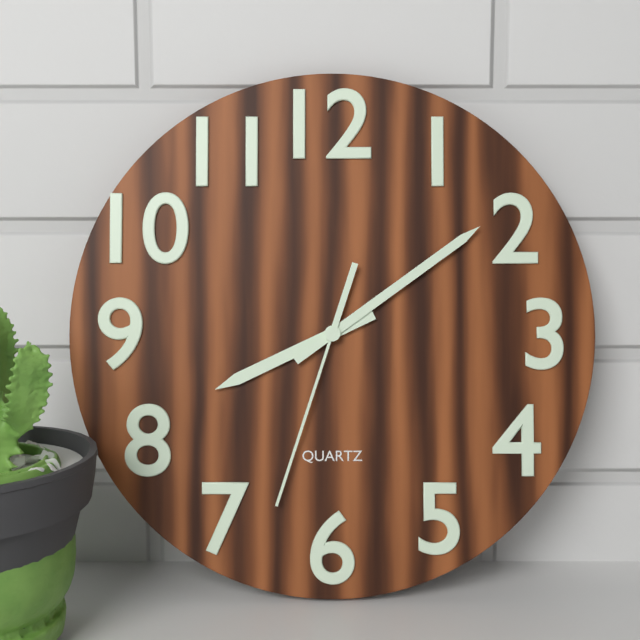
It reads 8:09:33
